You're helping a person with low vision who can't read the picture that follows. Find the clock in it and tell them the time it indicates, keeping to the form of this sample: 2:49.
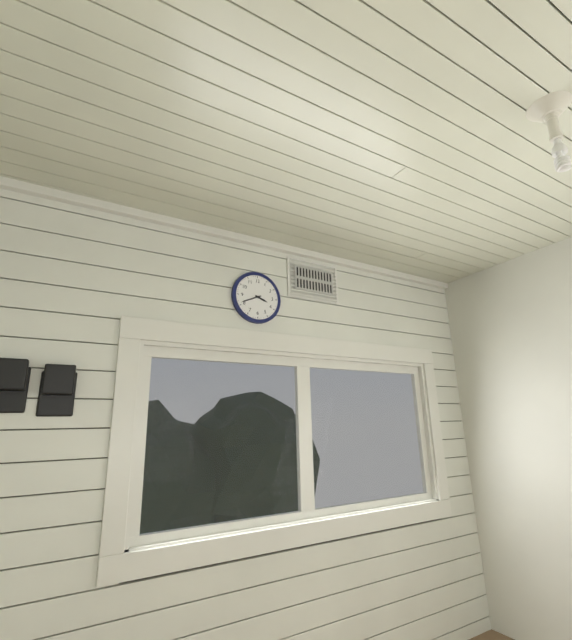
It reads 3:41
